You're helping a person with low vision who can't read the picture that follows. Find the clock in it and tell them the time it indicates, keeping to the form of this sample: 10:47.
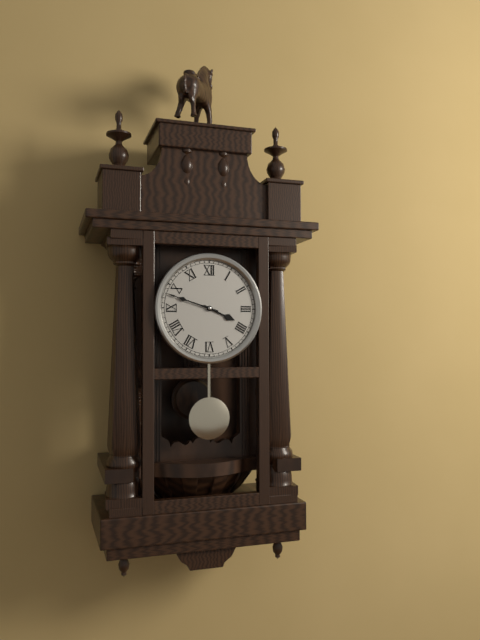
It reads 3:48
